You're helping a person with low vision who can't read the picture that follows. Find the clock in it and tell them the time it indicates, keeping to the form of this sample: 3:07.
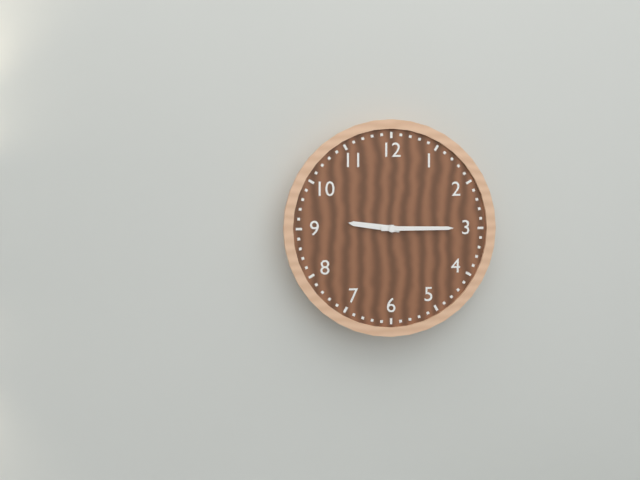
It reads 9:15
